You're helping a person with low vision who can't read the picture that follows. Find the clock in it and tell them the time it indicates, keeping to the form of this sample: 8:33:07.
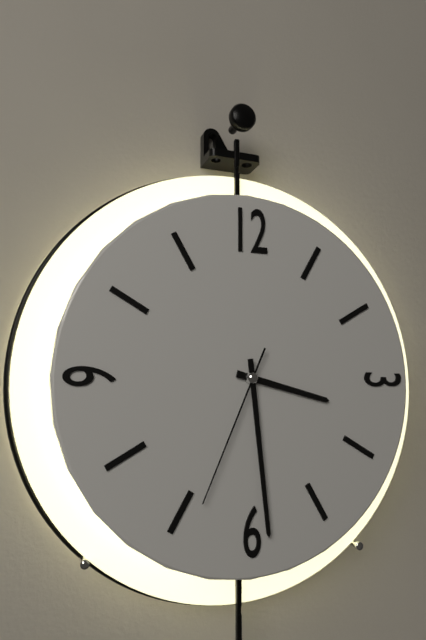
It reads 3:29:34
